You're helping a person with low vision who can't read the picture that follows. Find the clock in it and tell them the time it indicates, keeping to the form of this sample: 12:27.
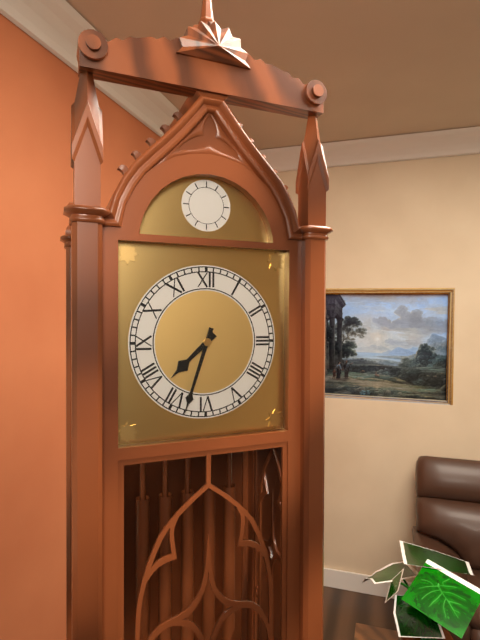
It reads 7:33
